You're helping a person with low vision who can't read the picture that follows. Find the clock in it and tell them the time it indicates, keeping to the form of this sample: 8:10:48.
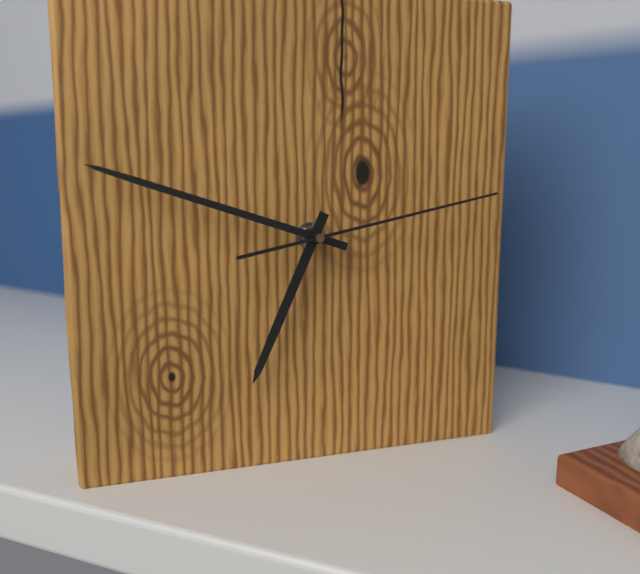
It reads 6:48:13
